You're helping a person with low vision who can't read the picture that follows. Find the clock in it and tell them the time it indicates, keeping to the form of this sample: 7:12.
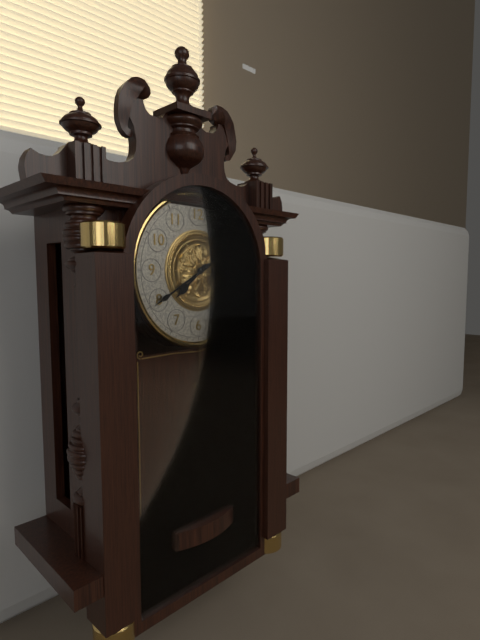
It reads 7:40
